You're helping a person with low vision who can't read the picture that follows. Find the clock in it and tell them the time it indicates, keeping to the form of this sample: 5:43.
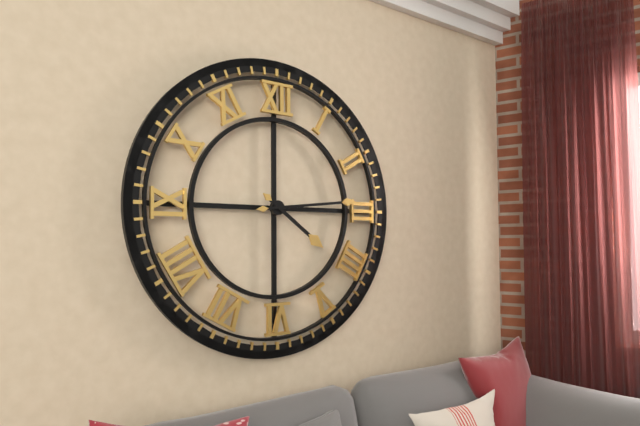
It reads 4:14
